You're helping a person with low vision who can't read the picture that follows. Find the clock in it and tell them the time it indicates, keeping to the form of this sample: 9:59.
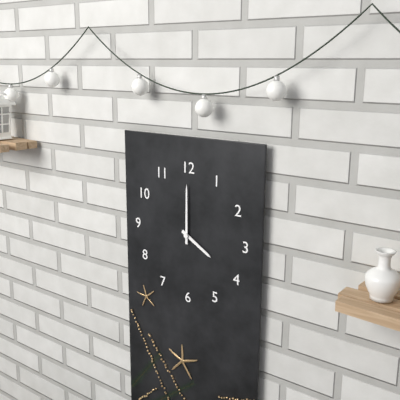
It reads 4:00
